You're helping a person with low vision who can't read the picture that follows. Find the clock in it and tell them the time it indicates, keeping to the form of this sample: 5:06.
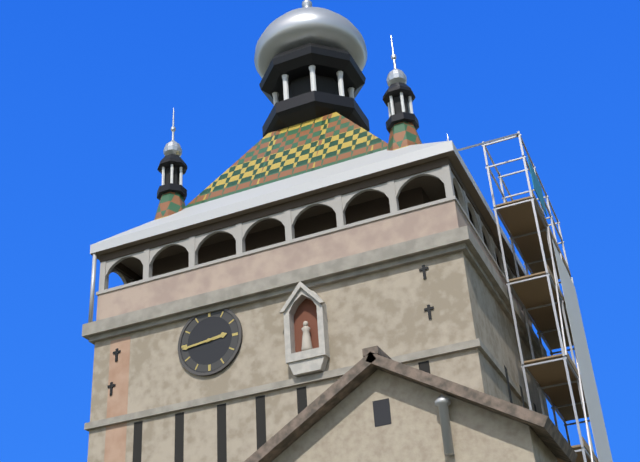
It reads 2:44
